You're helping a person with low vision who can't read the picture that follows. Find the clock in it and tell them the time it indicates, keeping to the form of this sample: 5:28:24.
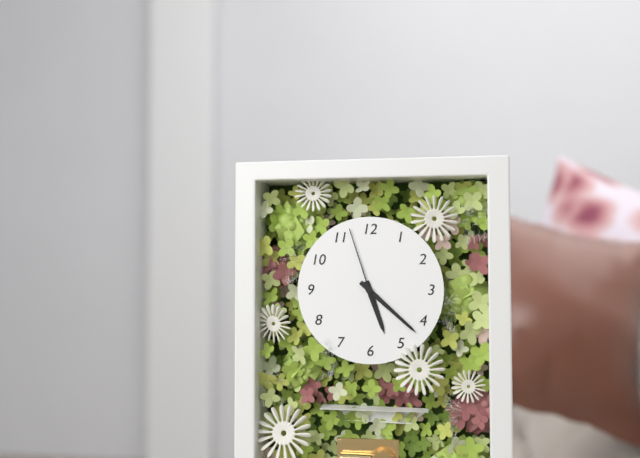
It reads 5:22:57
